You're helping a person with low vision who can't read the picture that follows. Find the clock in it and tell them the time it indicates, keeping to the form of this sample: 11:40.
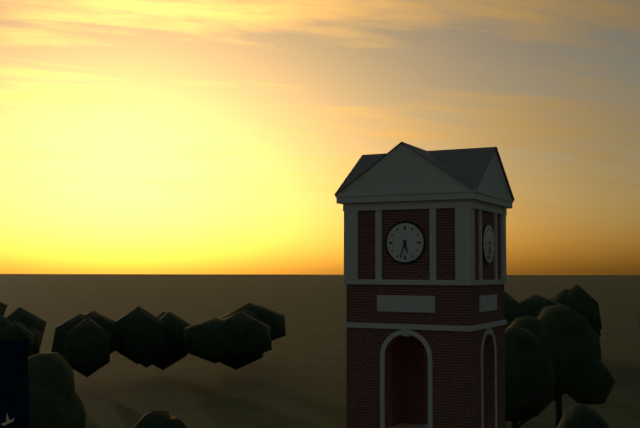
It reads 5:33
